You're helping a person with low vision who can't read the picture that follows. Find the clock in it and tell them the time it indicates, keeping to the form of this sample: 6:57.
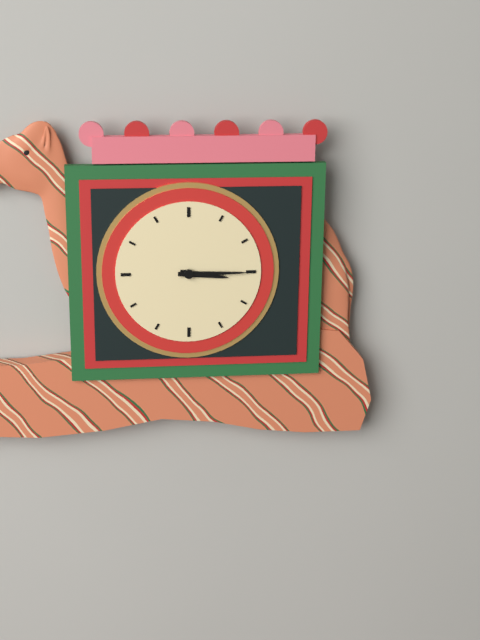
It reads 3:15
